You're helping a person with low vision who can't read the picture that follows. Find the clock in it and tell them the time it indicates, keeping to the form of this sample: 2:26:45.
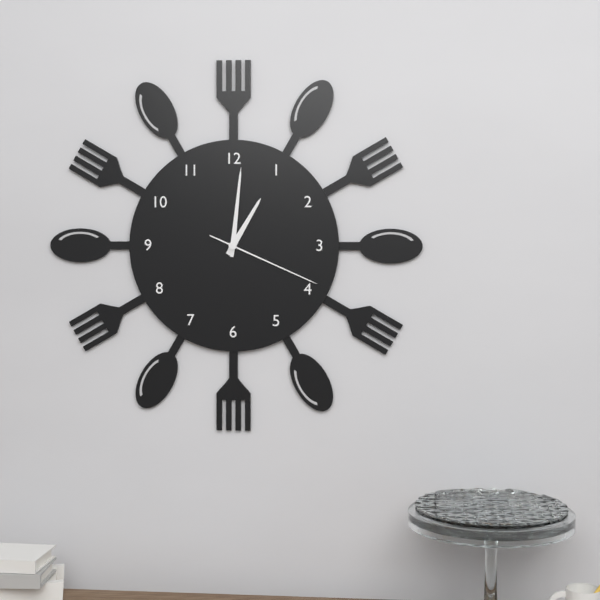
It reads 1:01:19
